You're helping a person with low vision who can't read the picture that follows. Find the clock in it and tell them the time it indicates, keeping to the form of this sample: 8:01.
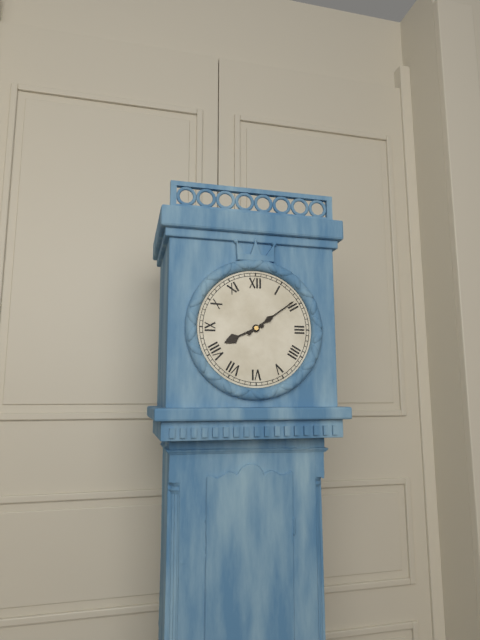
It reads 8:09
